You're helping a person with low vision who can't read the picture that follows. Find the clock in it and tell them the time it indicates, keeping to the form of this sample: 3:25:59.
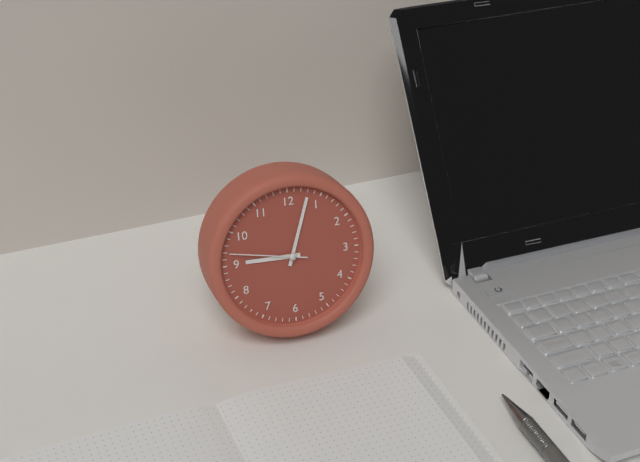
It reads 9:03:47
